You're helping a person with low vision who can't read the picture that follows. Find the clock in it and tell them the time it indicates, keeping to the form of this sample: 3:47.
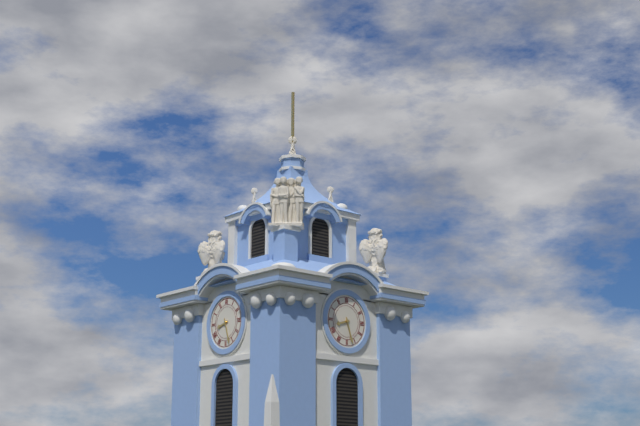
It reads 8:27
